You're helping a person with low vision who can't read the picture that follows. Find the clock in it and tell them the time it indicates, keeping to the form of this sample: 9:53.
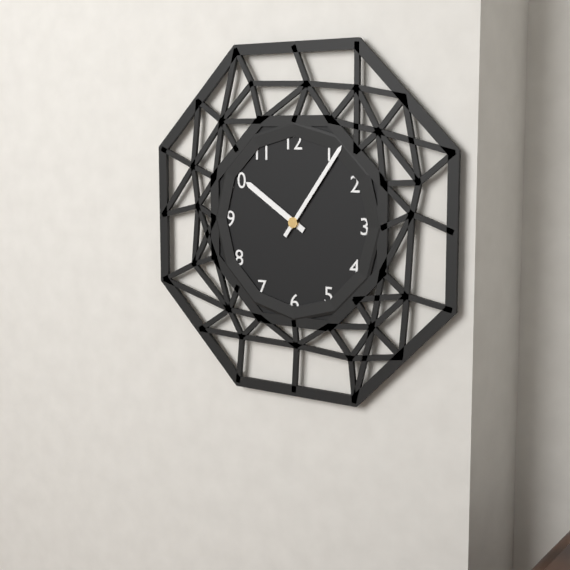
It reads 10:06
